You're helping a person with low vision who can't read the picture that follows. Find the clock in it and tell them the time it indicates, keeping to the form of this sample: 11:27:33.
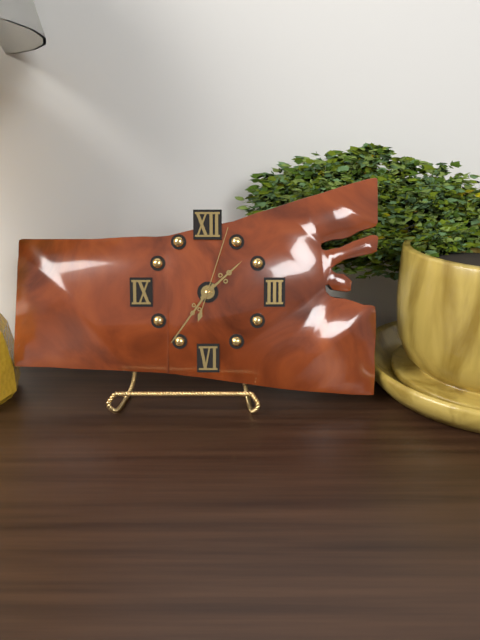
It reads 1:36:03
